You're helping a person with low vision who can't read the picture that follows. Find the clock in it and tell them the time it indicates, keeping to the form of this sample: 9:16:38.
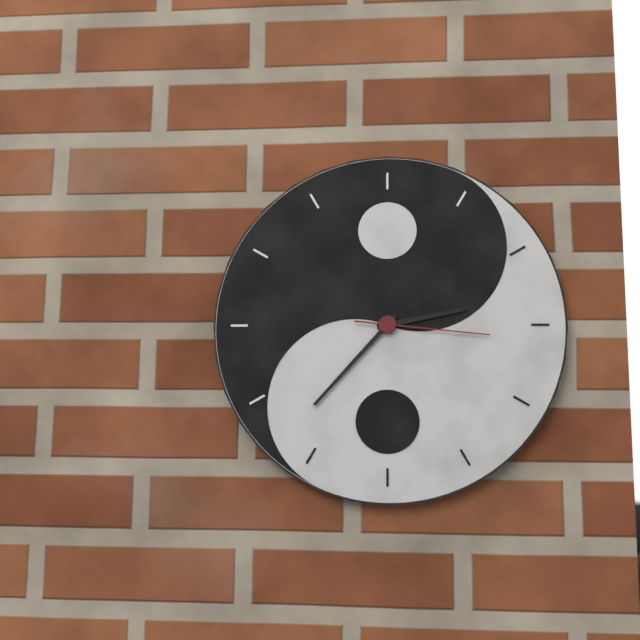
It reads 2:37:16
